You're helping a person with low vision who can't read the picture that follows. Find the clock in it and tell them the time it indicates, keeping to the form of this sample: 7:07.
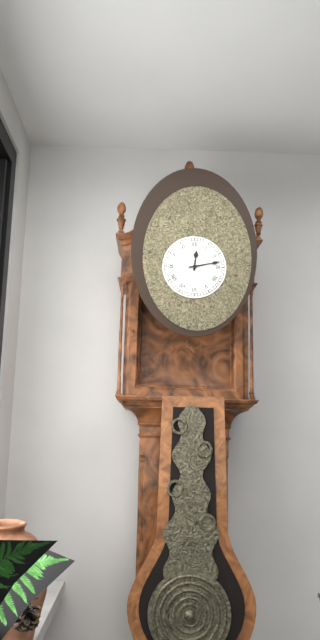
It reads 12:13
